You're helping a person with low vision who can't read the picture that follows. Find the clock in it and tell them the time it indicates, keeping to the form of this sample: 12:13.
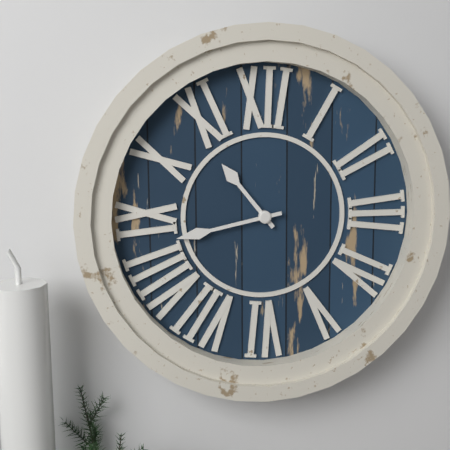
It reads 10:43
